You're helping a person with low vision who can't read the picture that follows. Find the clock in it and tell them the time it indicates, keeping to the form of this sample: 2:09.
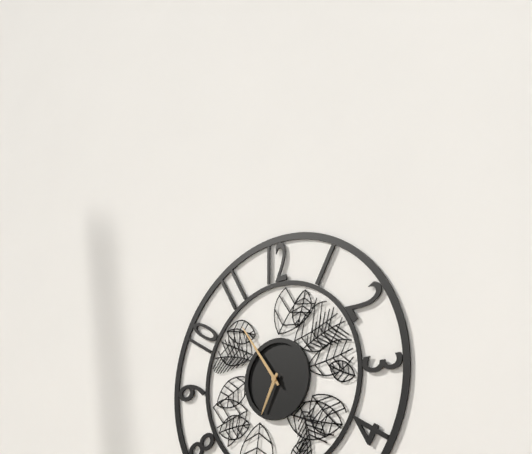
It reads 6:54
